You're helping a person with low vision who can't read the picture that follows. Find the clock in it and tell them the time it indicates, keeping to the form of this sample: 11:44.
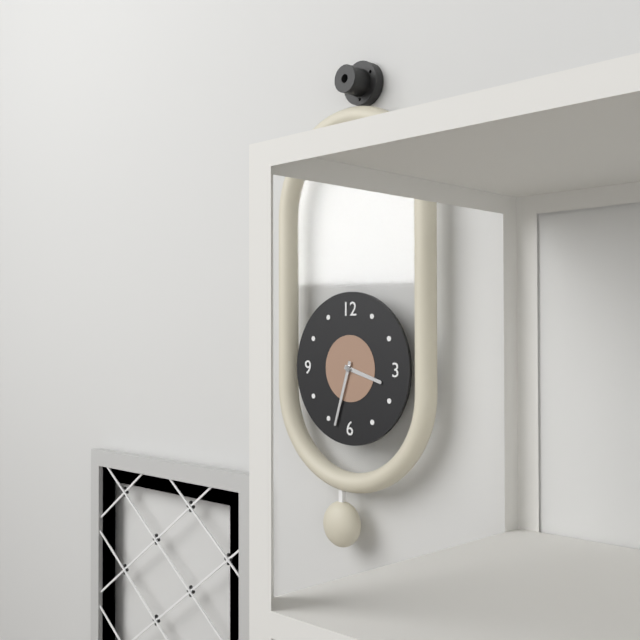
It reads 3:33
